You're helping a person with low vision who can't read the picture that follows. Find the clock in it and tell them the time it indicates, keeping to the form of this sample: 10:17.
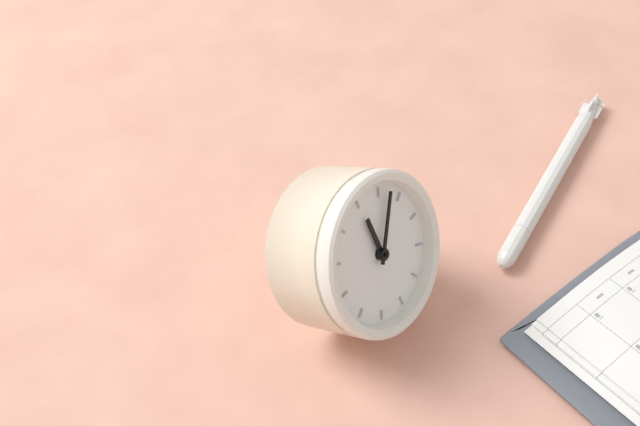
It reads 11:02
